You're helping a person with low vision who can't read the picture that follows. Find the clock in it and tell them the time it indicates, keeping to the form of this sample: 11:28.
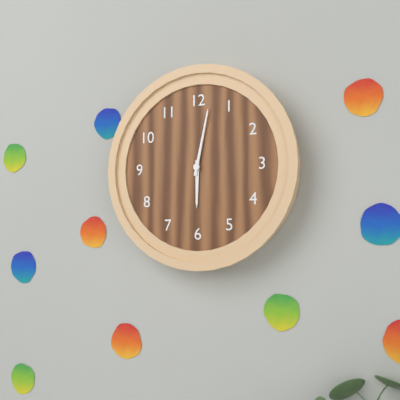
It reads 6:02
